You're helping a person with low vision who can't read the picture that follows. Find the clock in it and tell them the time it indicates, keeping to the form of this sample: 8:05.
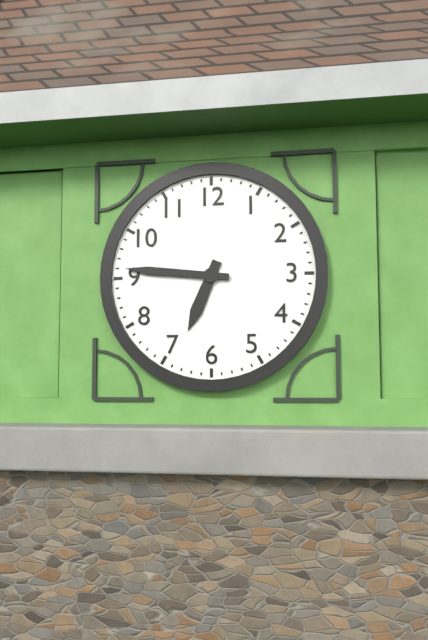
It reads 6:46
